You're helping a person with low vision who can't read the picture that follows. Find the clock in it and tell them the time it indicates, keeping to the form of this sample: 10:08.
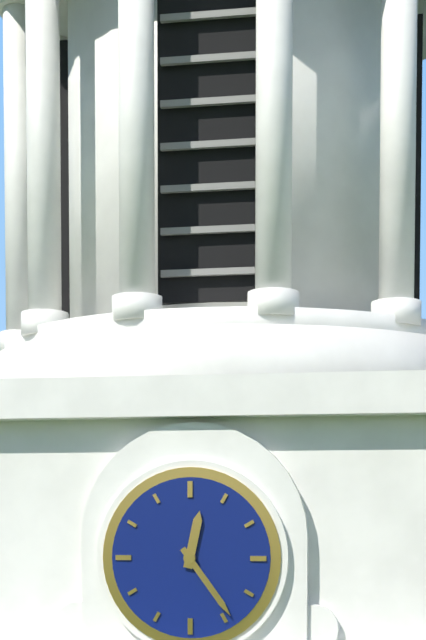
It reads 12:24
